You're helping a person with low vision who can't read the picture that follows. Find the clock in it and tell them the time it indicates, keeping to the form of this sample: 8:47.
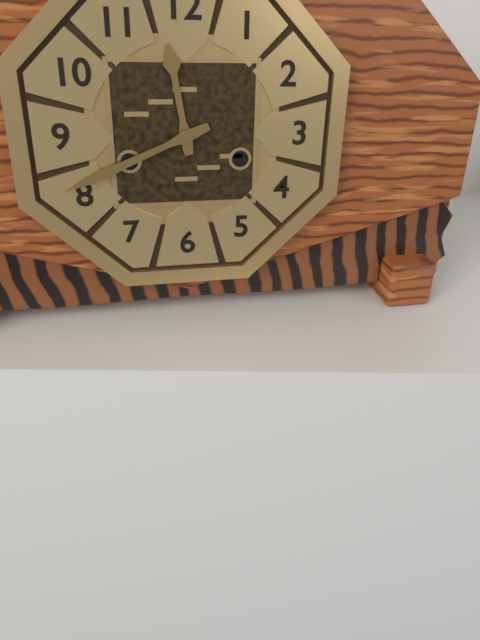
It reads 11:41
